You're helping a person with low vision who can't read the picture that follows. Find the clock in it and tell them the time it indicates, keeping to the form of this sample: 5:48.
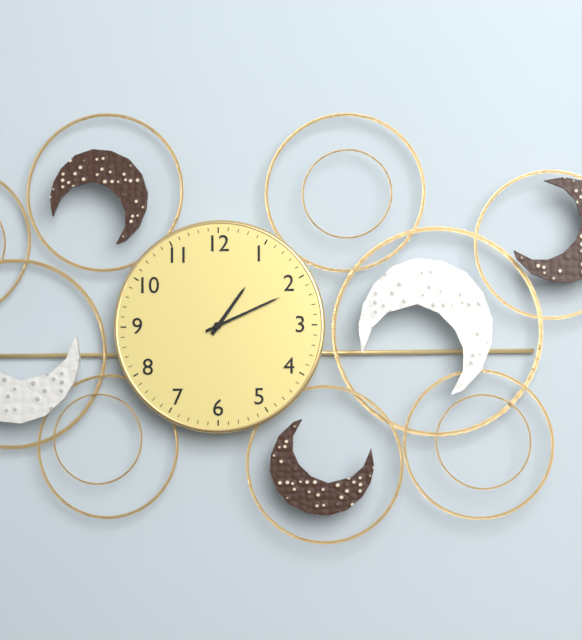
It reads 1:11
